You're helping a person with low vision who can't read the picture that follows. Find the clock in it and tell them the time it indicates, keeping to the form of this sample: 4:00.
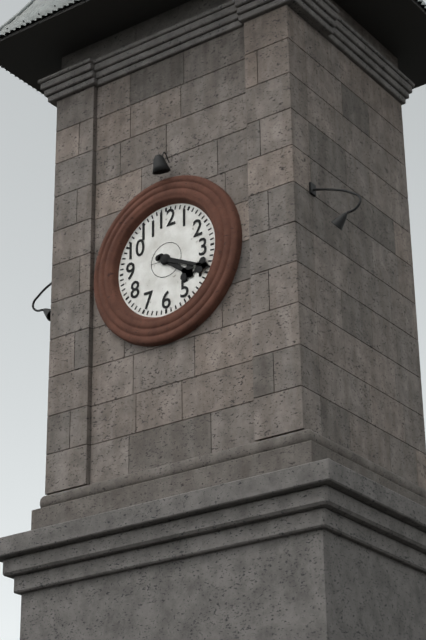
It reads 4:19
